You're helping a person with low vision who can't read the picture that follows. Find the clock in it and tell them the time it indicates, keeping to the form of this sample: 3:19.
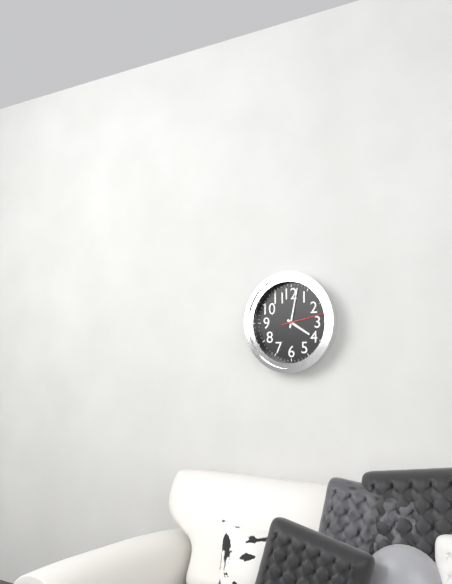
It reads 4:02
